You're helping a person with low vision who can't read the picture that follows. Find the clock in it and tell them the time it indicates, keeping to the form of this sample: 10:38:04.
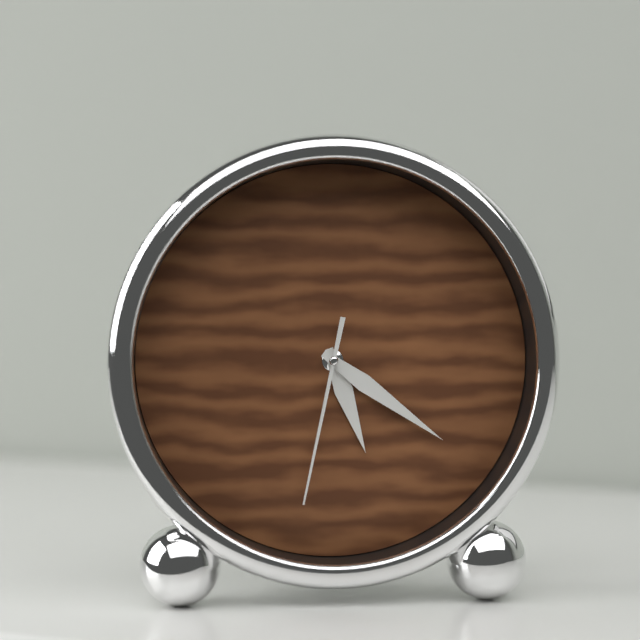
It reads 5:21:32
